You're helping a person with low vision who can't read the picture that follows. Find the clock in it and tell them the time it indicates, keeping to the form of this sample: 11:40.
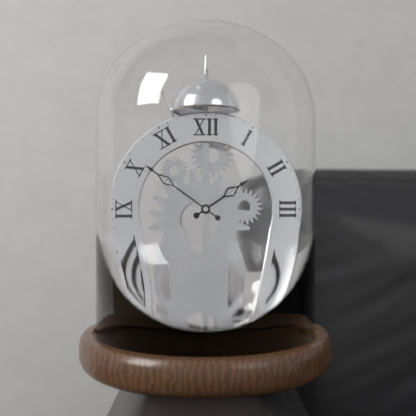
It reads 1:51
